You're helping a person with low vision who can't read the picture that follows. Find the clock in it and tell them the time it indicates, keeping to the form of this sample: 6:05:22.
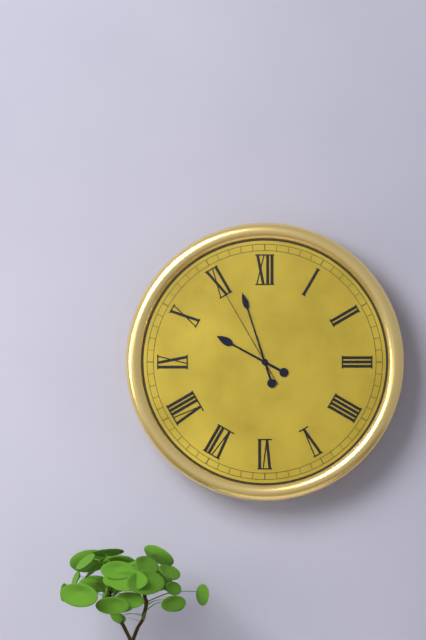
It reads 9:57:55
